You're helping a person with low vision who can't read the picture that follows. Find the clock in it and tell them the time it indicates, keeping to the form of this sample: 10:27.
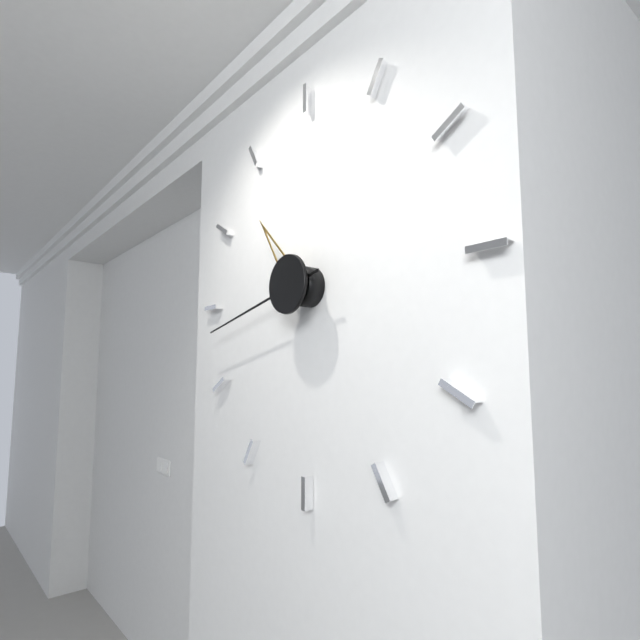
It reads 10:43
